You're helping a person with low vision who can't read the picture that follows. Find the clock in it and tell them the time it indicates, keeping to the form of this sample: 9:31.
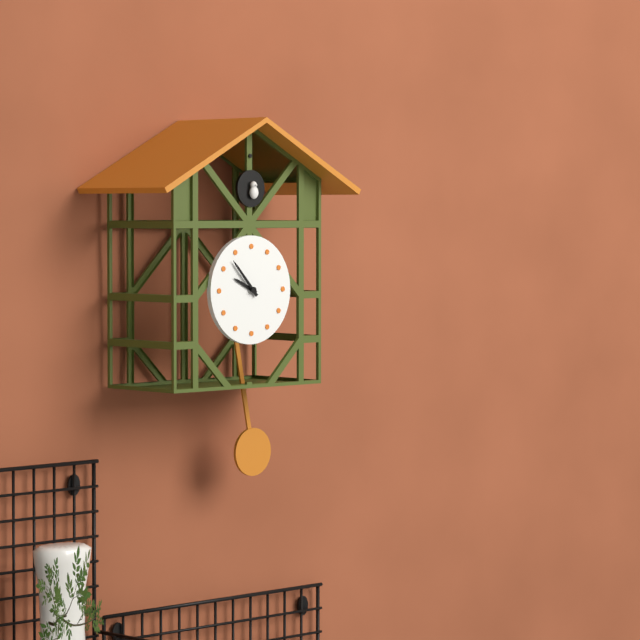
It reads 9:53
